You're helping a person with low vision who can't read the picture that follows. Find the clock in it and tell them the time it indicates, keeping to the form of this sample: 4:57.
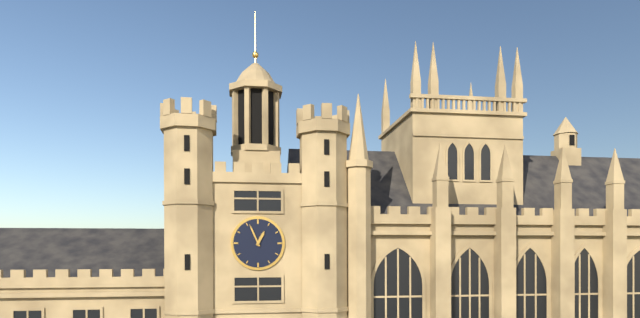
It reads 12:56
